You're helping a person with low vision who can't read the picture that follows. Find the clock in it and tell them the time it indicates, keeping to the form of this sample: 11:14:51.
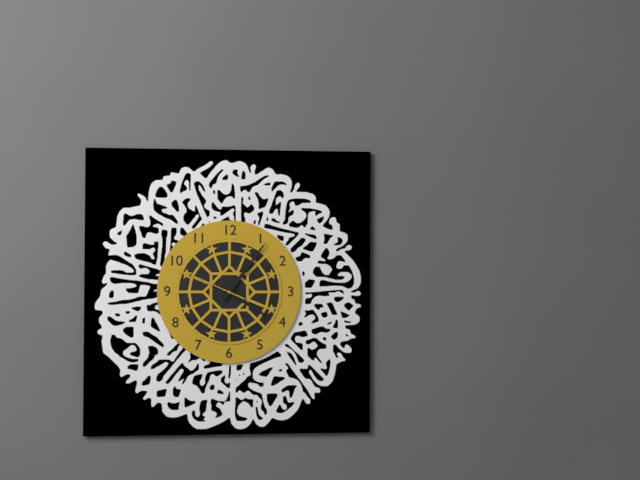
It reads 4:06:49
